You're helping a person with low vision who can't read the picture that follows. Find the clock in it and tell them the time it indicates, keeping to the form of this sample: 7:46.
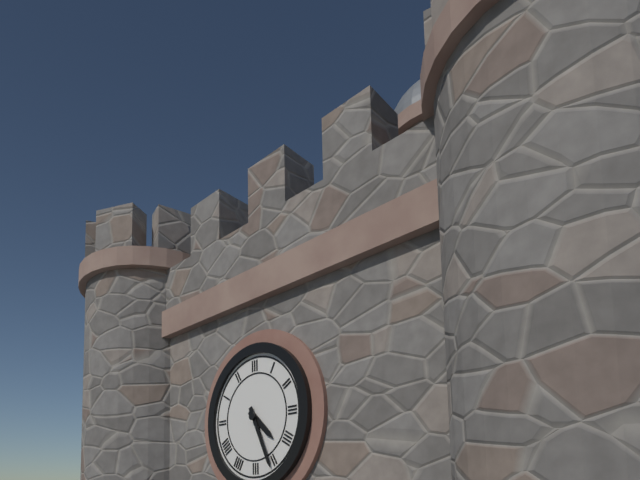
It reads 4:26
